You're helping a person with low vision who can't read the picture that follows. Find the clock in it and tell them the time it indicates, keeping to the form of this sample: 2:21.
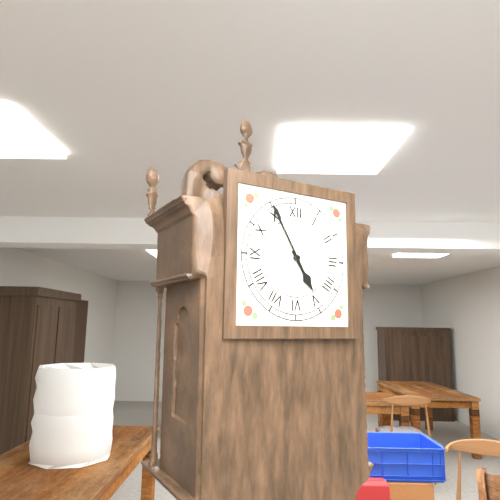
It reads 4:55
